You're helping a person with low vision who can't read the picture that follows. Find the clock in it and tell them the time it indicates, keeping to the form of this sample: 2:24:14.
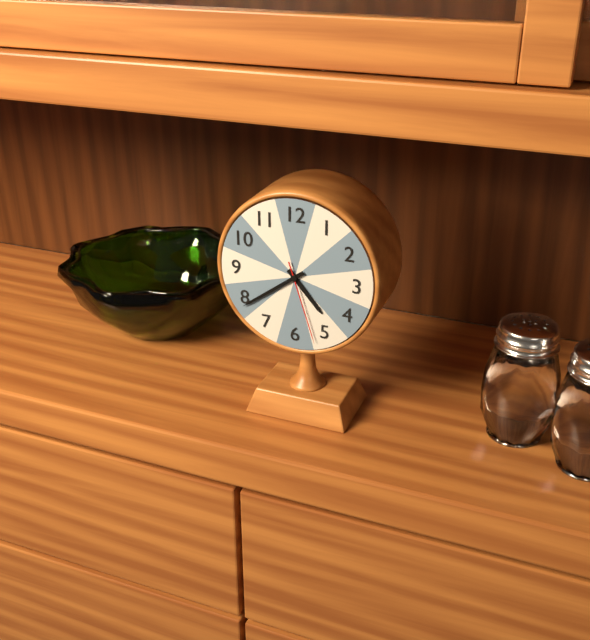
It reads 4:39:27
